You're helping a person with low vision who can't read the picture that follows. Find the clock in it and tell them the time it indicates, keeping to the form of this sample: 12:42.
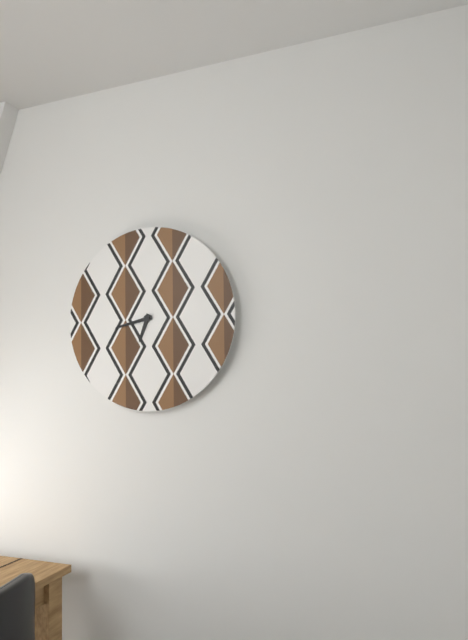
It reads 6:43
